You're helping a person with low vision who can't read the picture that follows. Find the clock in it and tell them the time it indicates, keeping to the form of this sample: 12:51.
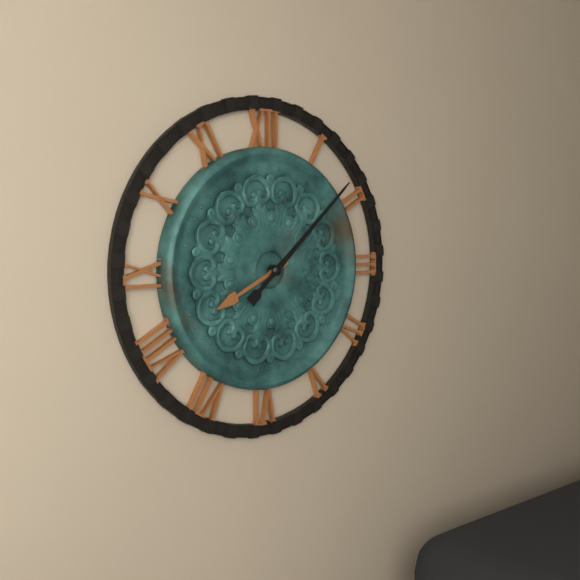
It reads 8:08
